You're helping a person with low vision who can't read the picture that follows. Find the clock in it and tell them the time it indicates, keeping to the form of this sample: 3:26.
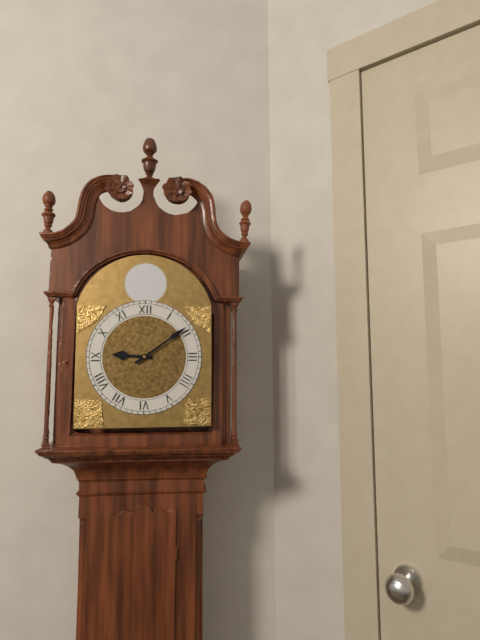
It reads 9:09
